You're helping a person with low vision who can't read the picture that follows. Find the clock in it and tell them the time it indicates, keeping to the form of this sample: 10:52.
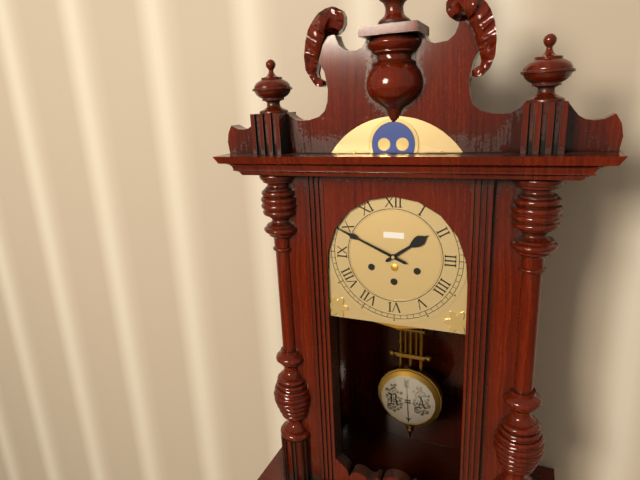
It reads 1:49
